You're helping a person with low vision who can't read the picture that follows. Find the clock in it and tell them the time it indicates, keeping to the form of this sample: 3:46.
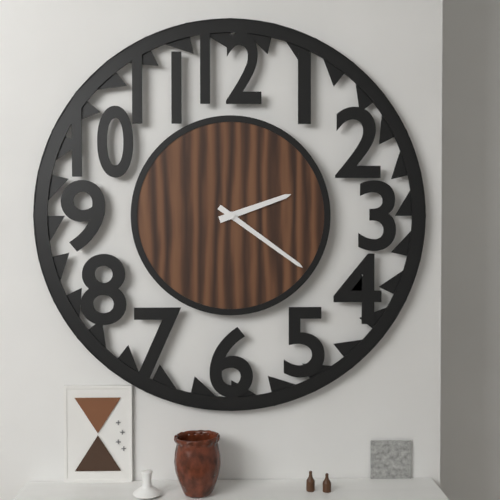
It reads 2:21
